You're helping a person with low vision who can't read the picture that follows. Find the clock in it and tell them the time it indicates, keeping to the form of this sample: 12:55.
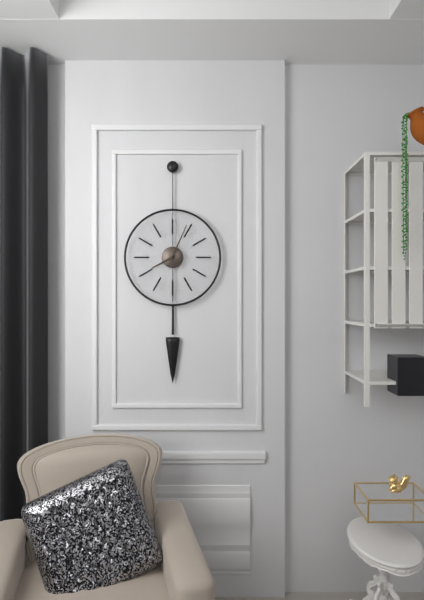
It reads 8:04
